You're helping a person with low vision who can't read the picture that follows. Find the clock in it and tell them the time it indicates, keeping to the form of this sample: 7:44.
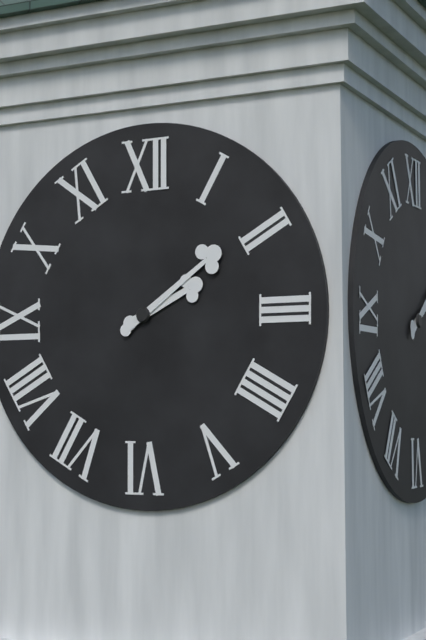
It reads 2:09
